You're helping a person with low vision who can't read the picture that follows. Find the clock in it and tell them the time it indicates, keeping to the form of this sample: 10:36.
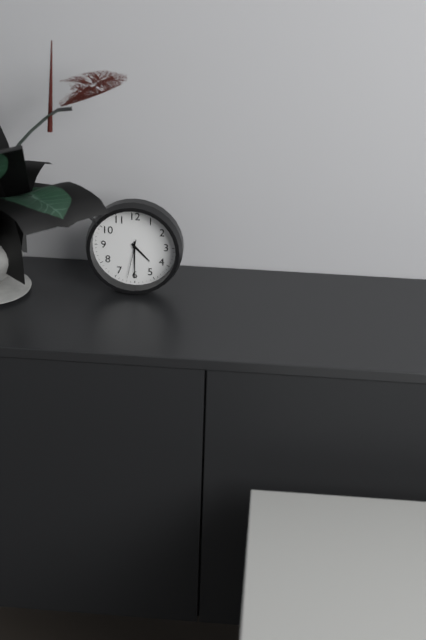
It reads 4:30
